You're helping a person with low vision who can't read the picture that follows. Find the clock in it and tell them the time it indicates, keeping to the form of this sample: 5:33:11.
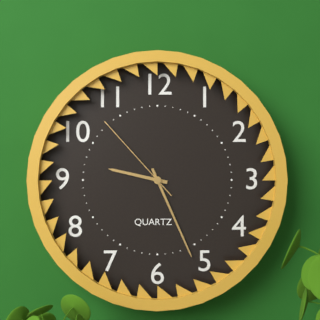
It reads 9:26:53
